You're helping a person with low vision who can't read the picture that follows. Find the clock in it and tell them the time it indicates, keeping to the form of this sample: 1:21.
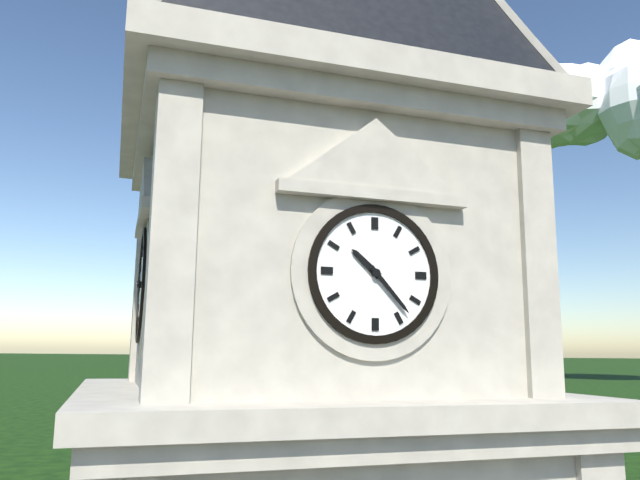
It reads 10:23
